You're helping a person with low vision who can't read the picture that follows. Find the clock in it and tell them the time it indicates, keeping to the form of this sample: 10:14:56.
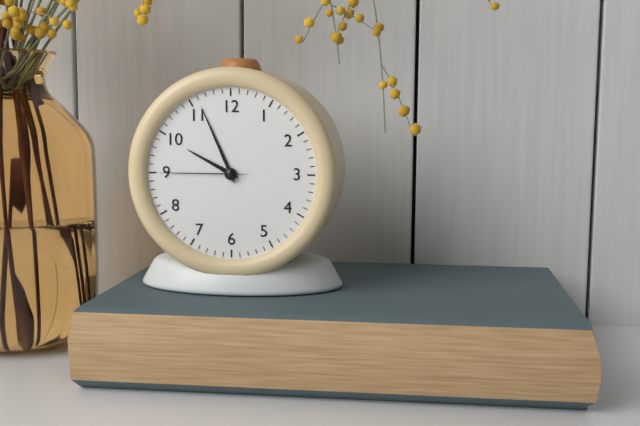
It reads 9:56:45
